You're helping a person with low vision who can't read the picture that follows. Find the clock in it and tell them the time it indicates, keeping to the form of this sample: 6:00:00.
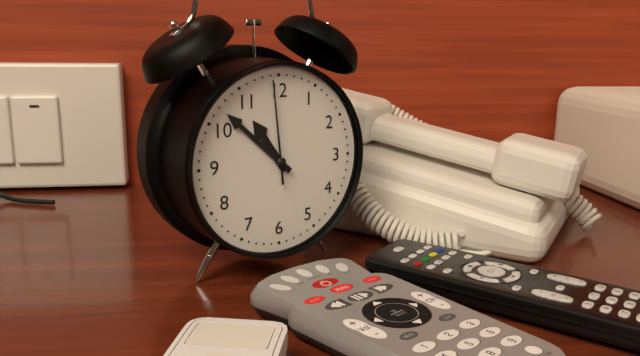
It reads 10:52:59
